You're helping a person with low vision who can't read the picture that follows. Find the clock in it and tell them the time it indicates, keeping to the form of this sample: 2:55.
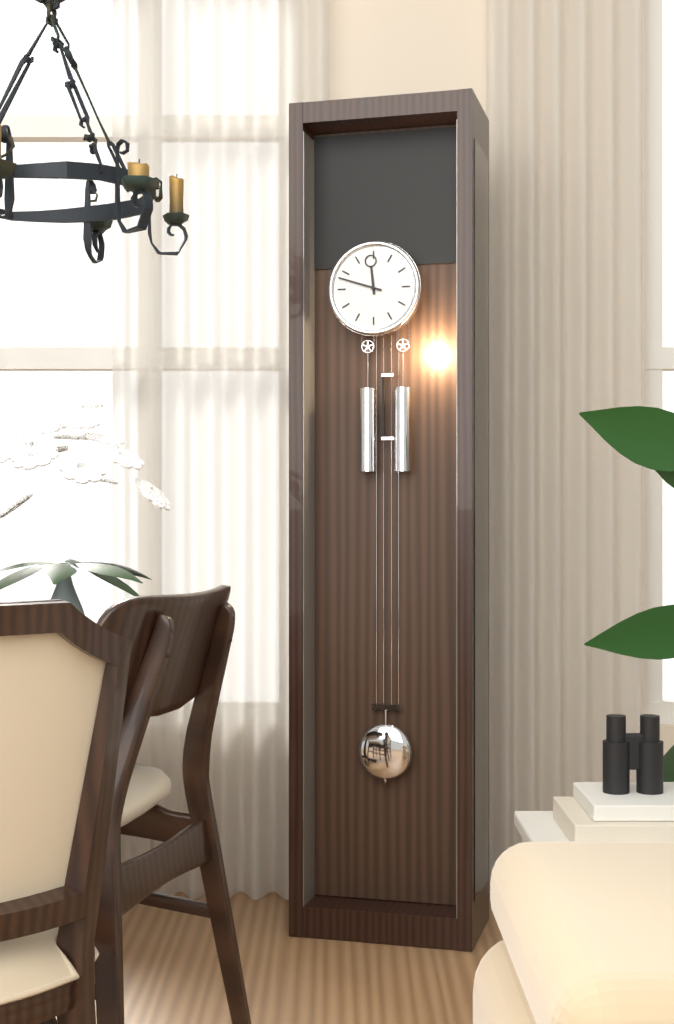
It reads 11:48
